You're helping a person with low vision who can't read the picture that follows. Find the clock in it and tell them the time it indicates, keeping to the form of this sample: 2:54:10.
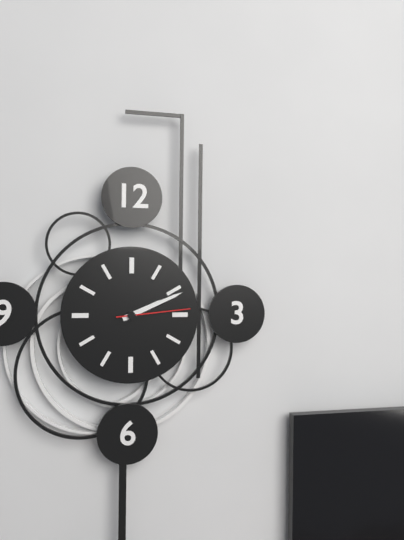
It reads 2:11:14
